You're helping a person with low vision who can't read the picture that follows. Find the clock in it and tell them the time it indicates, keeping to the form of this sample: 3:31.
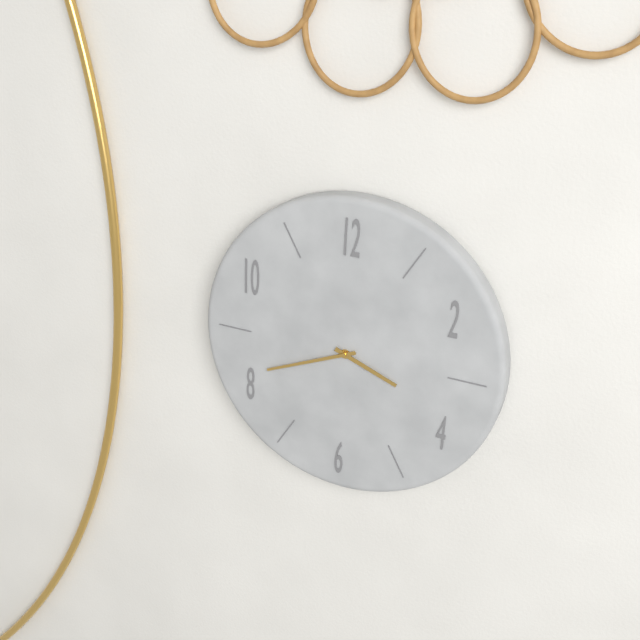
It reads 3:41
